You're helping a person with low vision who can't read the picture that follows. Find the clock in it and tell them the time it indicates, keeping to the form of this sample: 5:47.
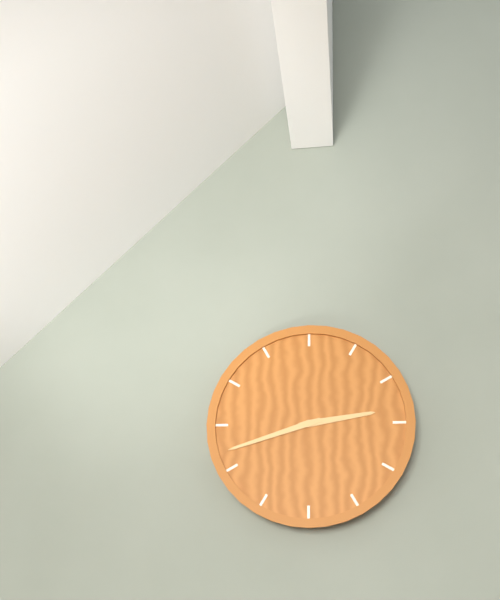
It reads 2:42
